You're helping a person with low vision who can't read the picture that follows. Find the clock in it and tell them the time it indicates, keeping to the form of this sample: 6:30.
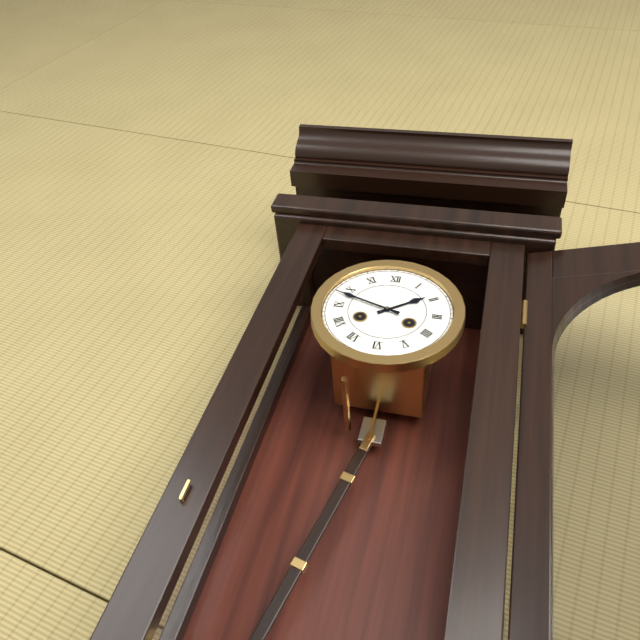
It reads 1:48
